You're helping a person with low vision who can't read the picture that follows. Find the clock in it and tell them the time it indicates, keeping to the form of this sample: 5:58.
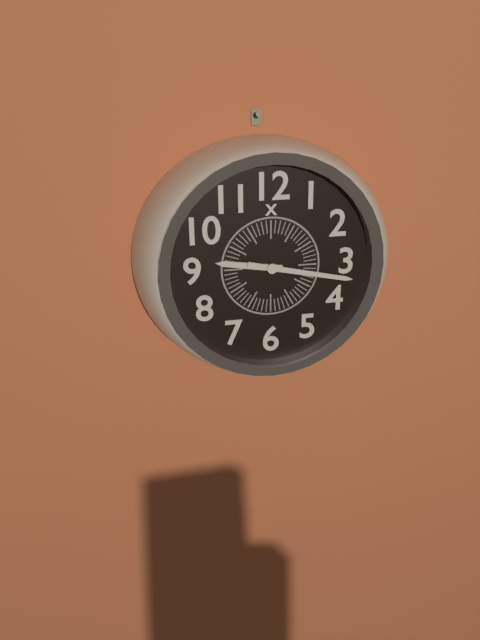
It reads 9:17
